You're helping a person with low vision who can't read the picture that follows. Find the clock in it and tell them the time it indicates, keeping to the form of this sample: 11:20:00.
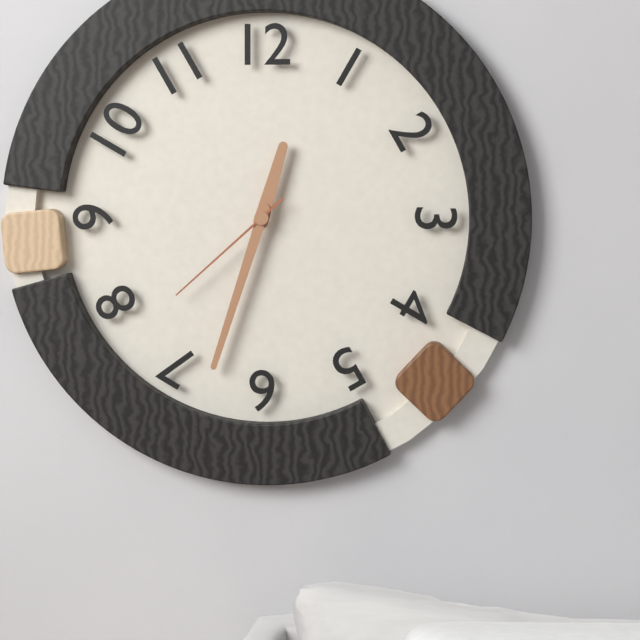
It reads 12:33:38
